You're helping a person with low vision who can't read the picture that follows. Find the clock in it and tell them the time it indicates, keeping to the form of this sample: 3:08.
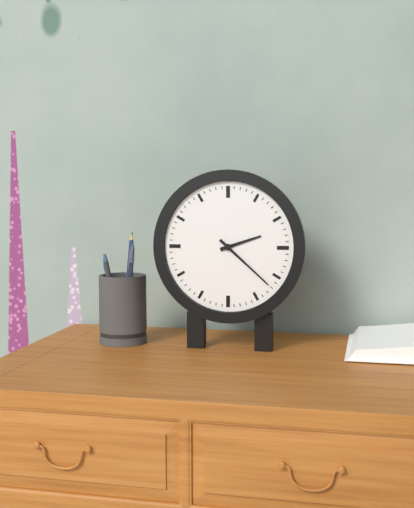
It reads 2:22
